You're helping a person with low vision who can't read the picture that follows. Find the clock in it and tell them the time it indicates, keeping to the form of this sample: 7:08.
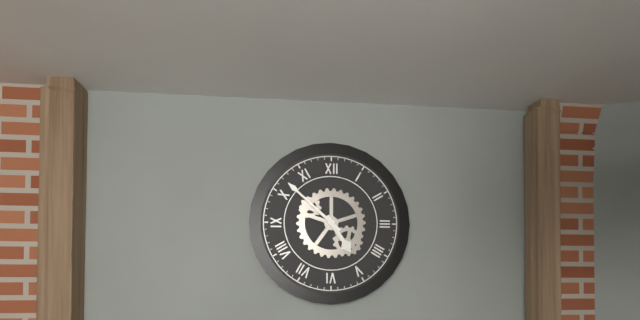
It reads 4:52
